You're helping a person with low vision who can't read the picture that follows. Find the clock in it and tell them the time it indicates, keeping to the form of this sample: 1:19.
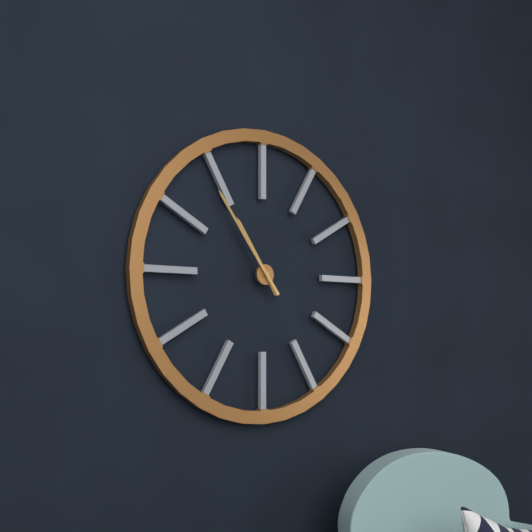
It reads 10:54
